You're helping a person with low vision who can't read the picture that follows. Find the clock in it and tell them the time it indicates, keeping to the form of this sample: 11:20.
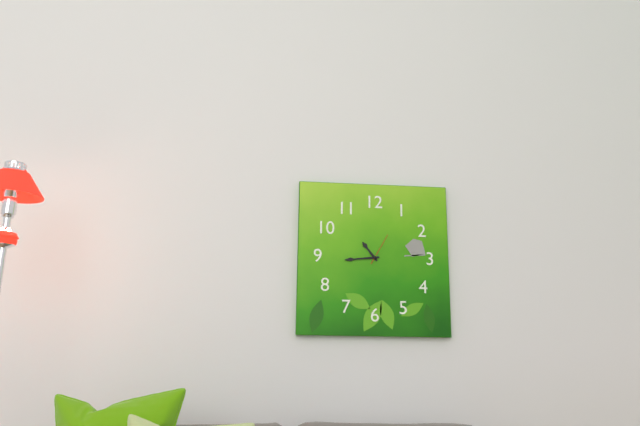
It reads 10:44
